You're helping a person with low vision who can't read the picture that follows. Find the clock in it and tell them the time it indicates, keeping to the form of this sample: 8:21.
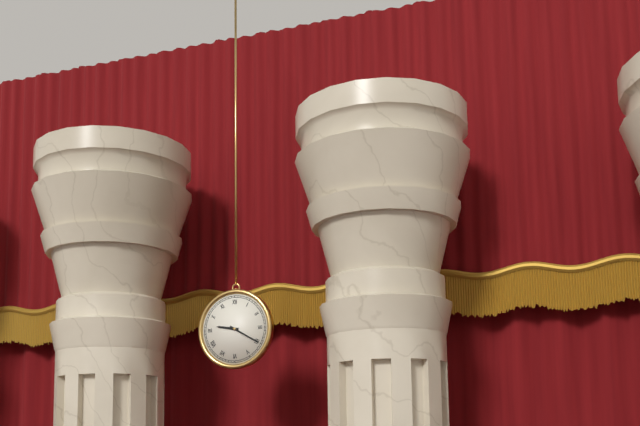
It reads 9:20
